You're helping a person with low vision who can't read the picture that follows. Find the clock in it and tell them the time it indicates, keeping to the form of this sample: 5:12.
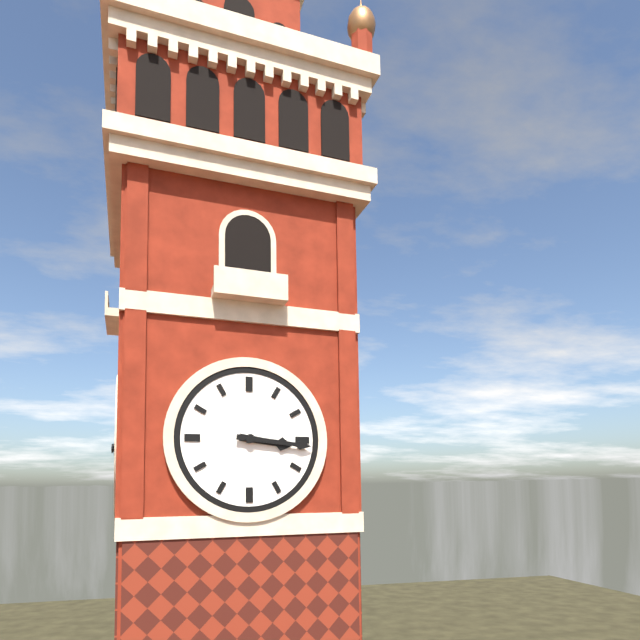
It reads 3:16
